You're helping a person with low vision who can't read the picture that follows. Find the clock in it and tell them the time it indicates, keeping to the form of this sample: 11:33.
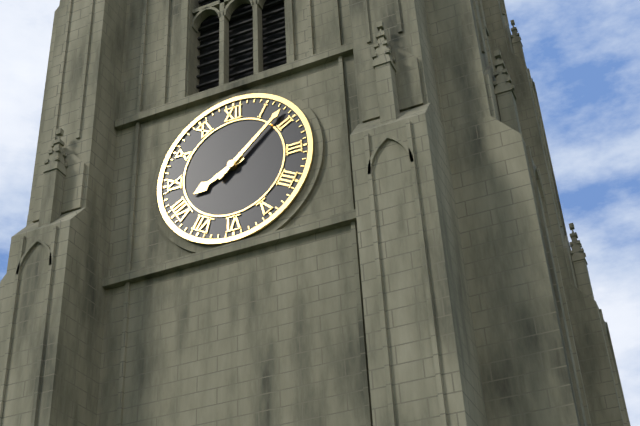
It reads 8:08
